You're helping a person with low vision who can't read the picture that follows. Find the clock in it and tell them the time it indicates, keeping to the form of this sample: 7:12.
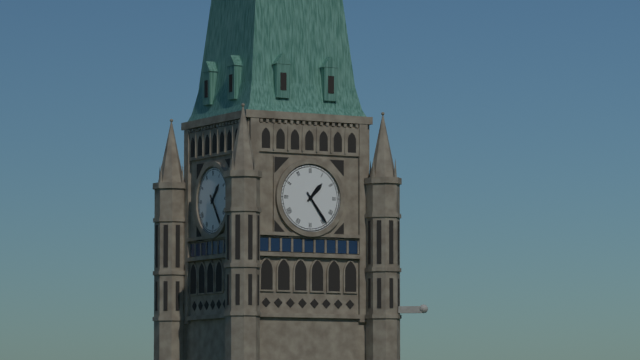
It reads 1:24
